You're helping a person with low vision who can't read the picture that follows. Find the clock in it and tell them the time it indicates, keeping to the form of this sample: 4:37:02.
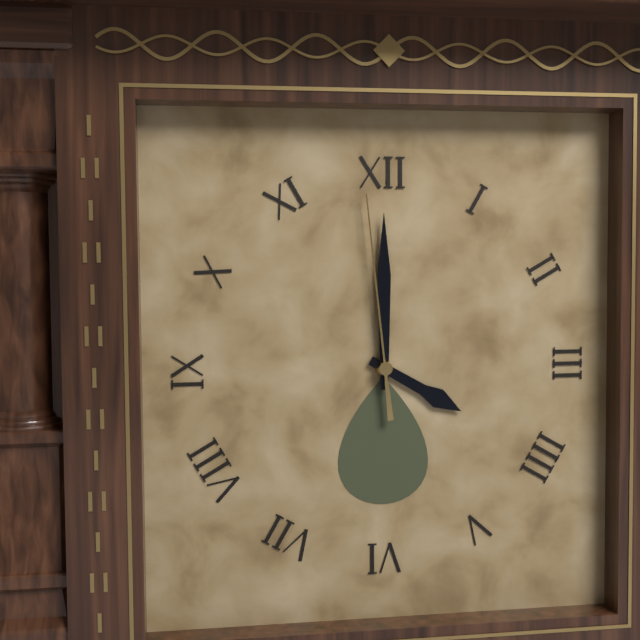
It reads 4:00:59
